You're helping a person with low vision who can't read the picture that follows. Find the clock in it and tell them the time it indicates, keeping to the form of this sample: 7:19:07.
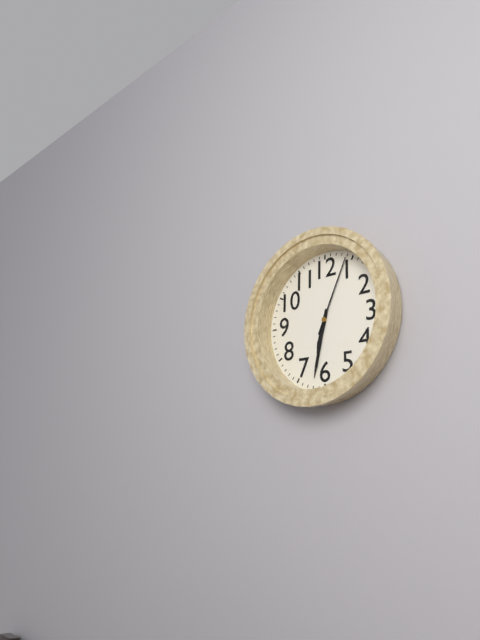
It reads 6:32:04
